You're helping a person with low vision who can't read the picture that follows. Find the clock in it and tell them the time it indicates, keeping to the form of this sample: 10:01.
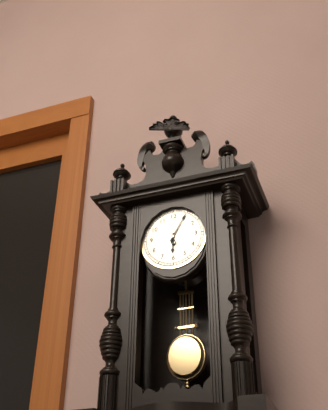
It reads 6:05
